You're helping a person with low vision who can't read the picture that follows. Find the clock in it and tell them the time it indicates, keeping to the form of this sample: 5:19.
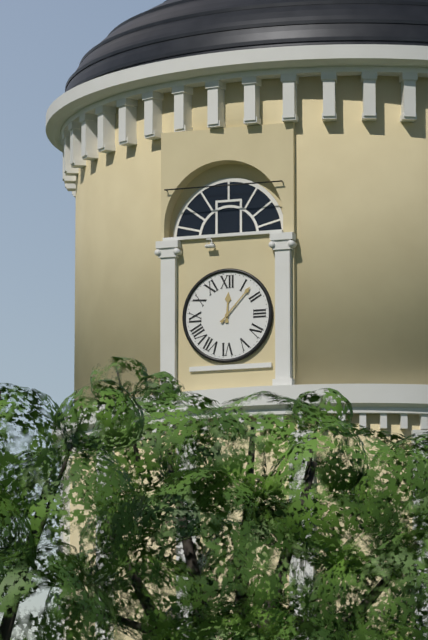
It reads 12:07
